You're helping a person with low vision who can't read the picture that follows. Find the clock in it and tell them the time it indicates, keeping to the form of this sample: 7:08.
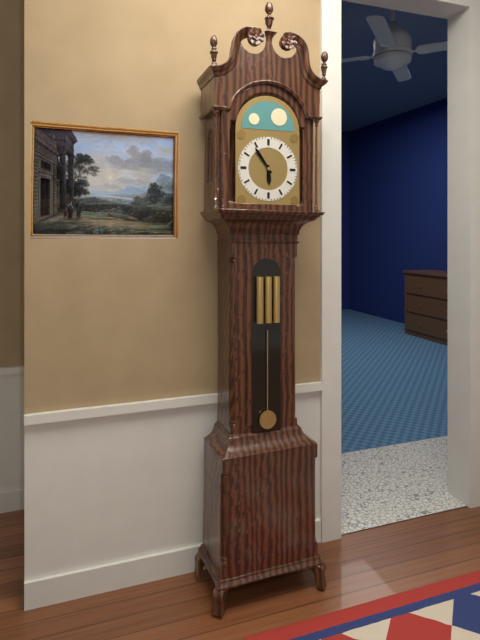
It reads 5:54
